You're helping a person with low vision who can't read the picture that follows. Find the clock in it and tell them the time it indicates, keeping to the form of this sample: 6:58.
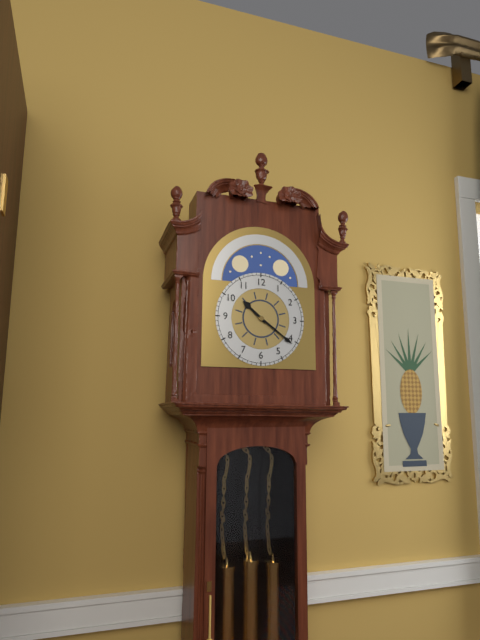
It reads 10:21
